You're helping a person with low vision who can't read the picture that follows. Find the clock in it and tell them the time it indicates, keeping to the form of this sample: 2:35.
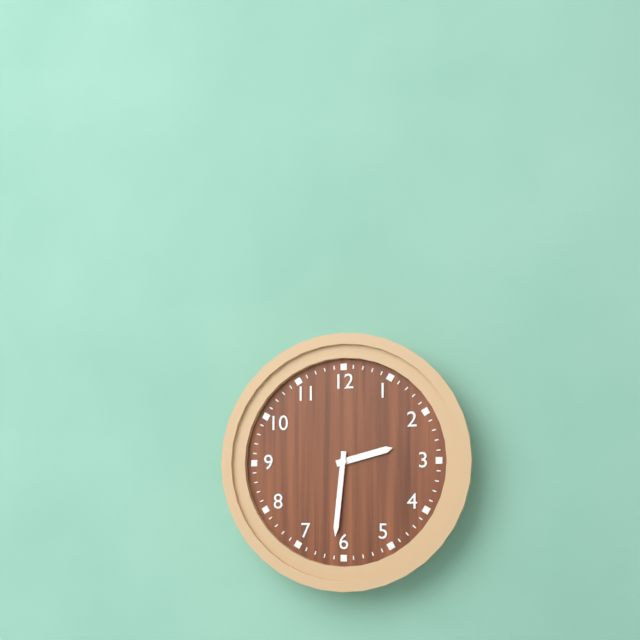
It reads 2:31
